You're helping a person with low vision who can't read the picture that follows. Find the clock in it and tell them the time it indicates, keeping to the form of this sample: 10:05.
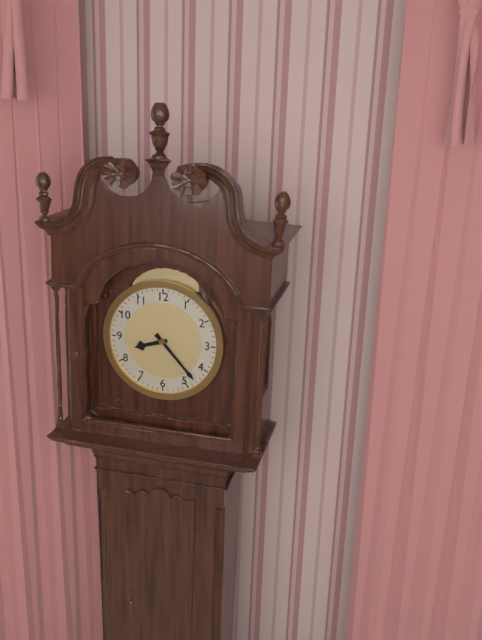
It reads 8:23
